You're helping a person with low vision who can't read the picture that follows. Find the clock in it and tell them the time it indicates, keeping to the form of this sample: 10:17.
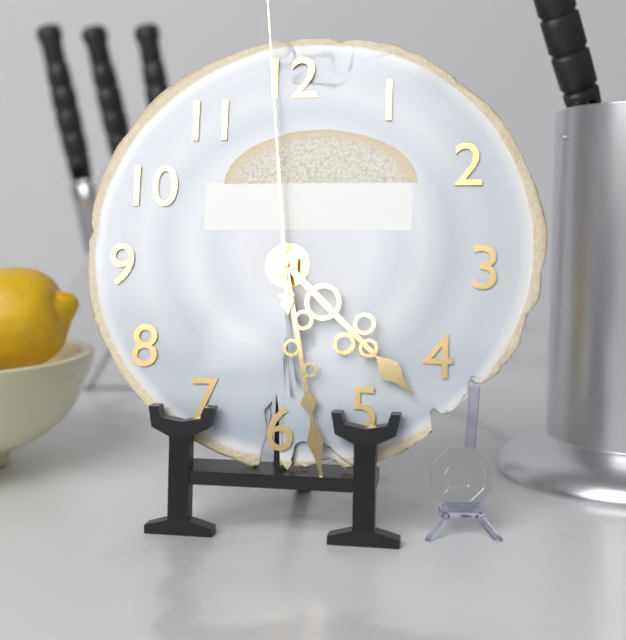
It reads 4:28
